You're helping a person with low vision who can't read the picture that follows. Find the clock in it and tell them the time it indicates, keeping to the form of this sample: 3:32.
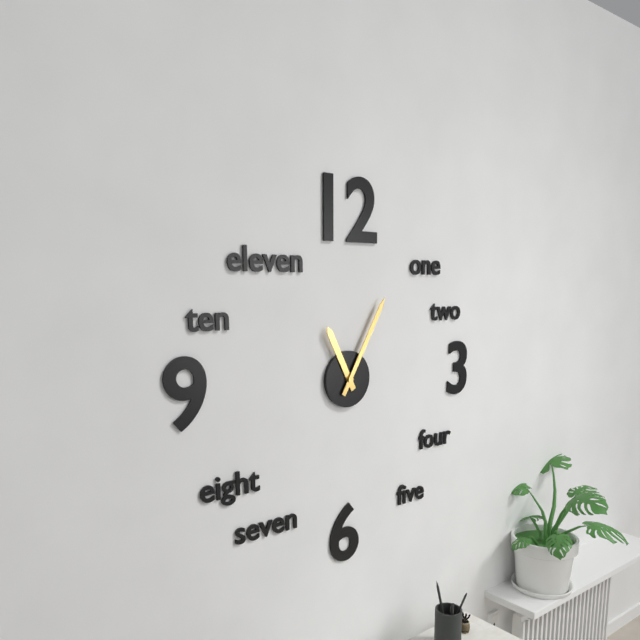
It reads 11:05
